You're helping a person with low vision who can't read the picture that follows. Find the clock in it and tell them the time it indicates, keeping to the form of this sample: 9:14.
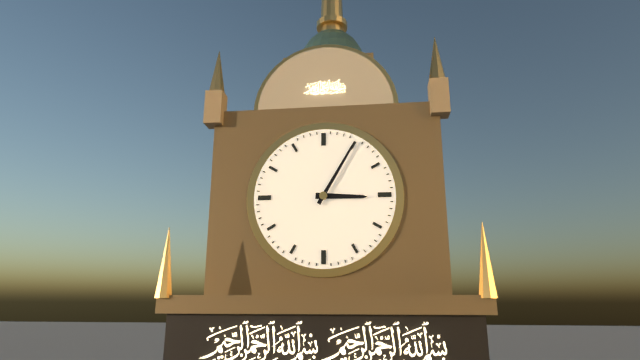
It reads 3:05
